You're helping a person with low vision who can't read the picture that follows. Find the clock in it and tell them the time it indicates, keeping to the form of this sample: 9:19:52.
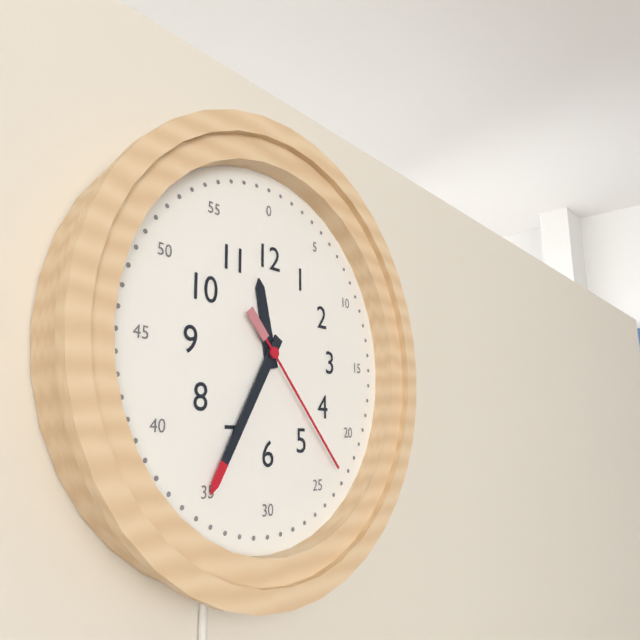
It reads 11:35:23
